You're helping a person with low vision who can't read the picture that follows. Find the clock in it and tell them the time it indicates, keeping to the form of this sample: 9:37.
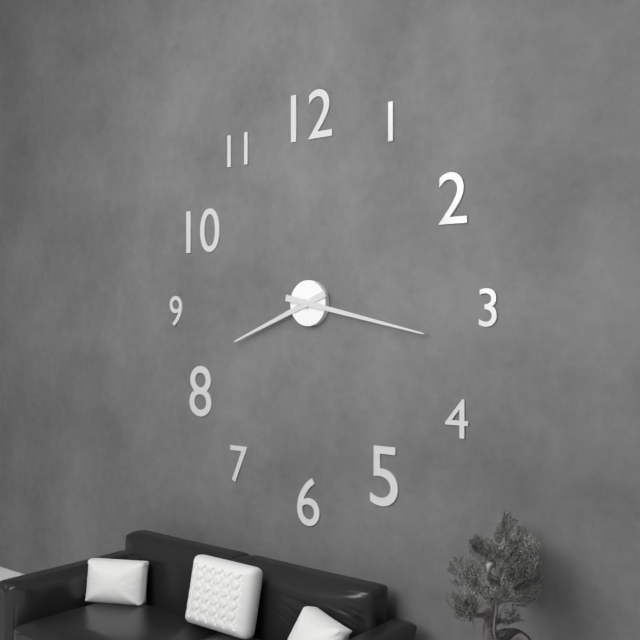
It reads 8:17
